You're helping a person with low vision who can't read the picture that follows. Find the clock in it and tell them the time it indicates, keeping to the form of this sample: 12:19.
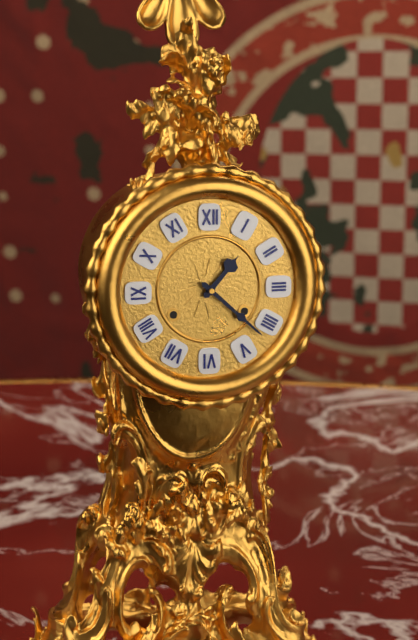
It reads 1:22
